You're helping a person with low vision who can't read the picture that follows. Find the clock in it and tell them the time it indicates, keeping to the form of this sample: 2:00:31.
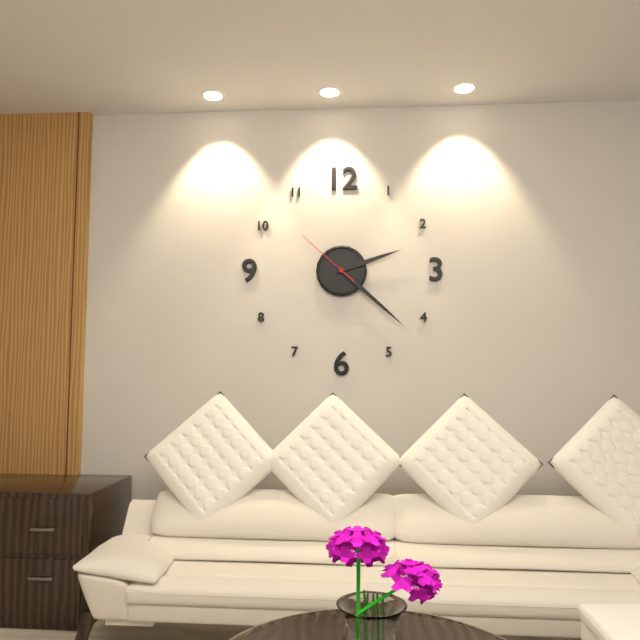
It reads 2:22:52
